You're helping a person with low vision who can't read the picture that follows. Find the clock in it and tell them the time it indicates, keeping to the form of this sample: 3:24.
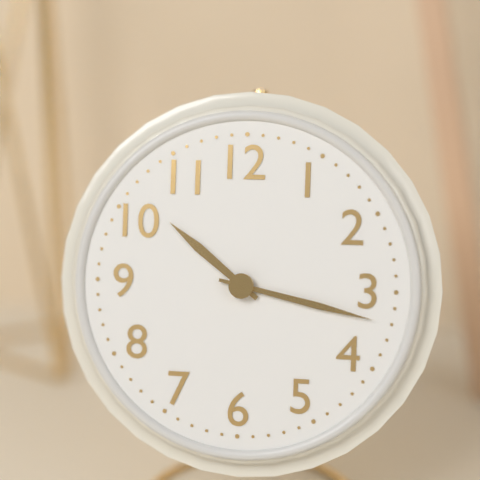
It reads 10:17
